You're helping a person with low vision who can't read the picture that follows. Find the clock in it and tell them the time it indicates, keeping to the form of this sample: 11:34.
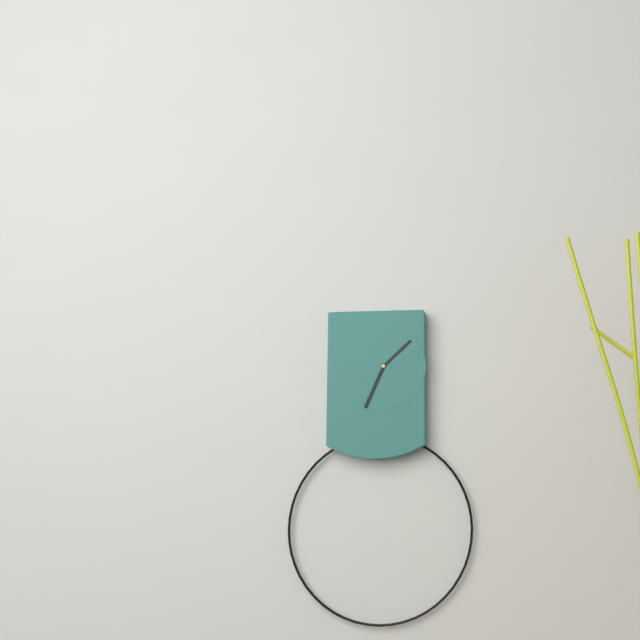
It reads 1:34
